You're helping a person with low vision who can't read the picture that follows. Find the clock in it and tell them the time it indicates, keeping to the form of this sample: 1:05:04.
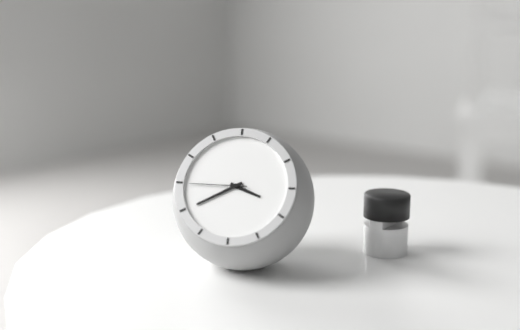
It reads 3:40:45
